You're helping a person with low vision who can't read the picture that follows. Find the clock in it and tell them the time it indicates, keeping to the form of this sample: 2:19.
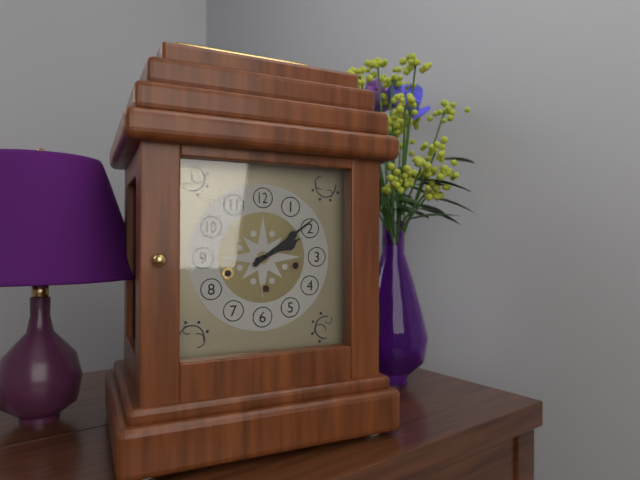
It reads 2:09
